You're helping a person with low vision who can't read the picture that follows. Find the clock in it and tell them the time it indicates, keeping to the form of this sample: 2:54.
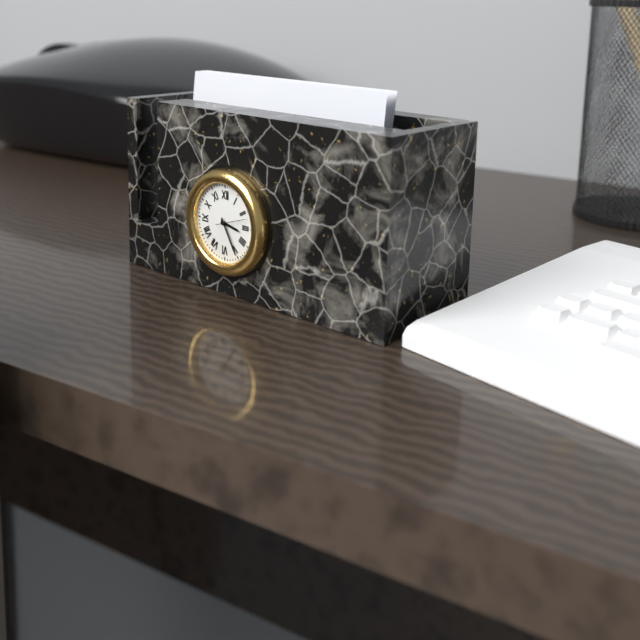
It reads 3:25
